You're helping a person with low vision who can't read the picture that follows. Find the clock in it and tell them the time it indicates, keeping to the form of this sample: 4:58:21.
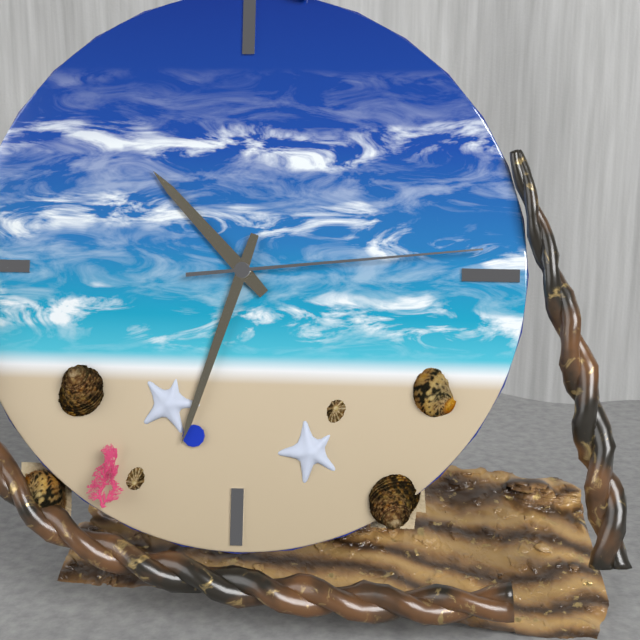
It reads 10:33:14
